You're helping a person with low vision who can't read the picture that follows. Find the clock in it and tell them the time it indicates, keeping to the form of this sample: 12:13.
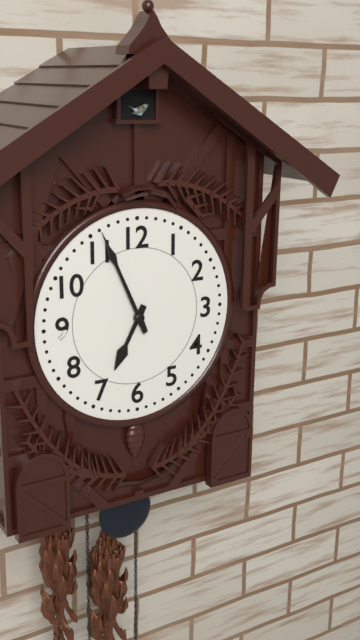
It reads 6:56
